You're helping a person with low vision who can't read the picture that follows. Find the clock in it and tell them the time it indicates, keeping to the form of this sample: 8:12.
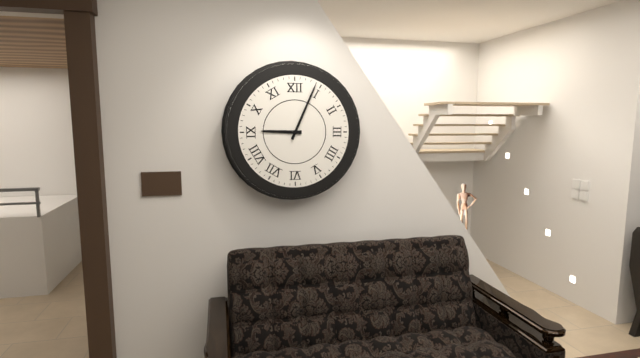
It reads 9:04
